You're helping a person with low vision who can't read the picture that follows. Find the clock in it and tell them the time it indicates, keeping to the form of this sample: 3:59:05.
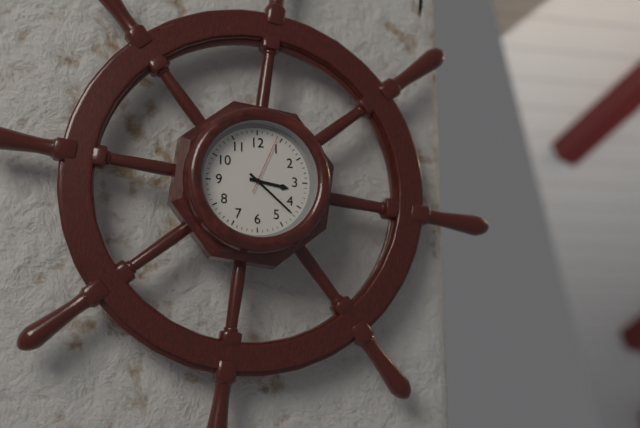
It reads 3:22:04
